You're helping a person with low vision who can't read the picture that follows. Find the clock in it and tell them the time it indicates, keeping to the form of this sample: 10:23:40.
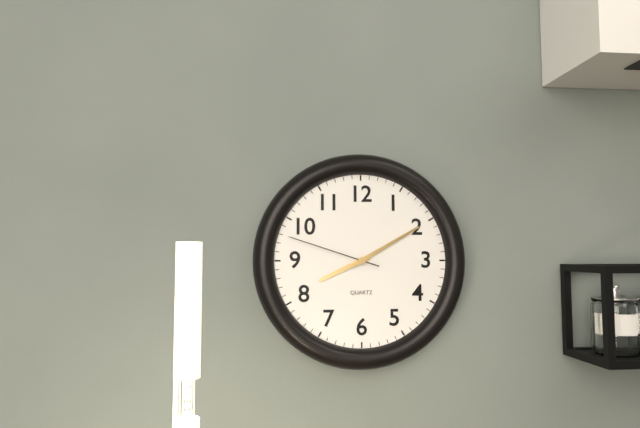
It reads 8:10:48
